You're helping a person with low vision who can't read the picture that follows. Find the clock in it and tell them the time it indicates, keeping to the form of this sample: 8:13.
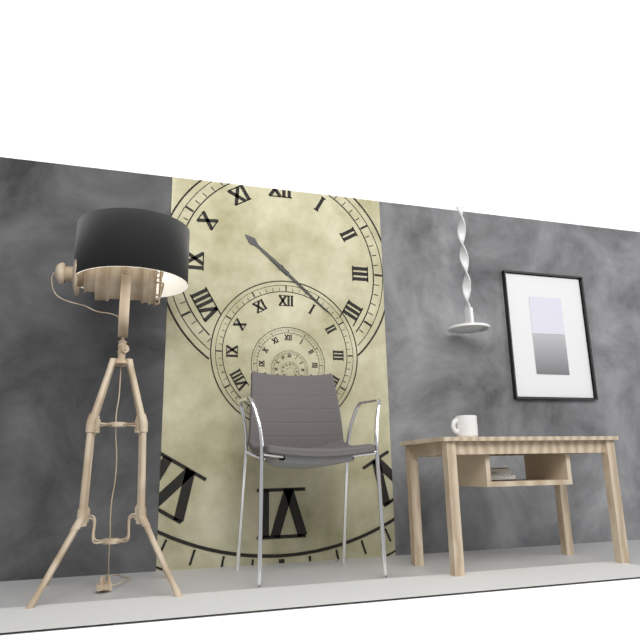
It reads 10:22
